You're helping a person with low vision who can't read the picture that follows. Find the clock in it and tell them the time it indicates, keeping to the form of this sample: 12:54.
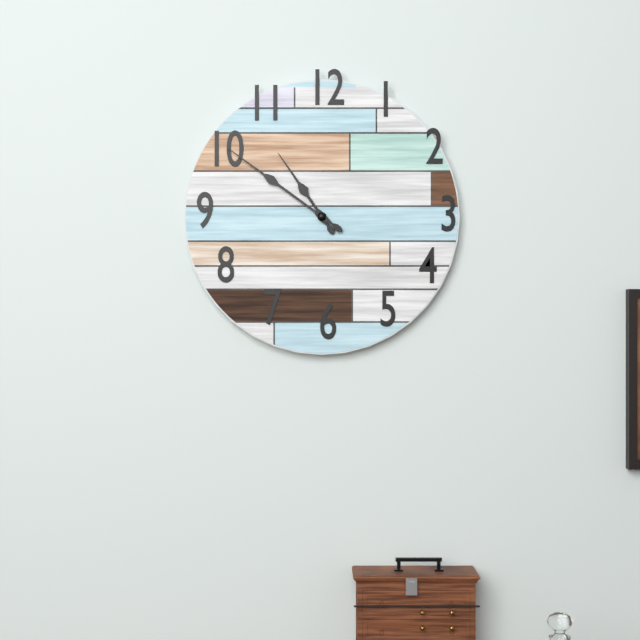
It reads 10:51
